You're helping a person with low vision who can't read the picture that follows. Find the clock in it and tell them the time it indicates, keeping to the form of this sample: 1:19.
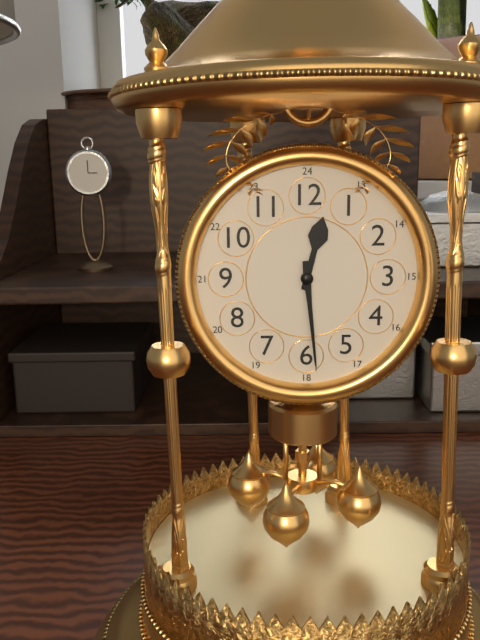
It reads 12:29
